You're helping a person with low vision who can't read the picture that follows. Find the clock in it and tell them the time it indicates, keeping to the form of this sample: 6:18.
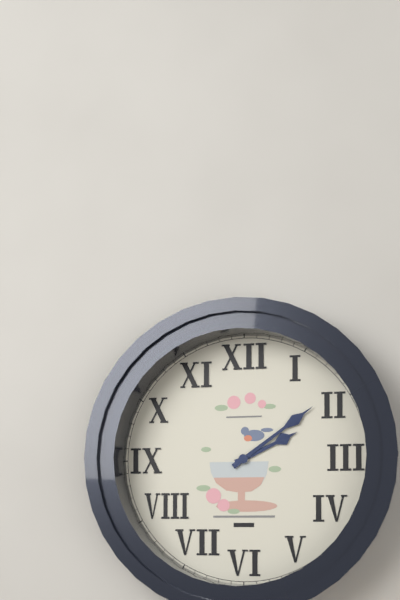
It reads 2:09
